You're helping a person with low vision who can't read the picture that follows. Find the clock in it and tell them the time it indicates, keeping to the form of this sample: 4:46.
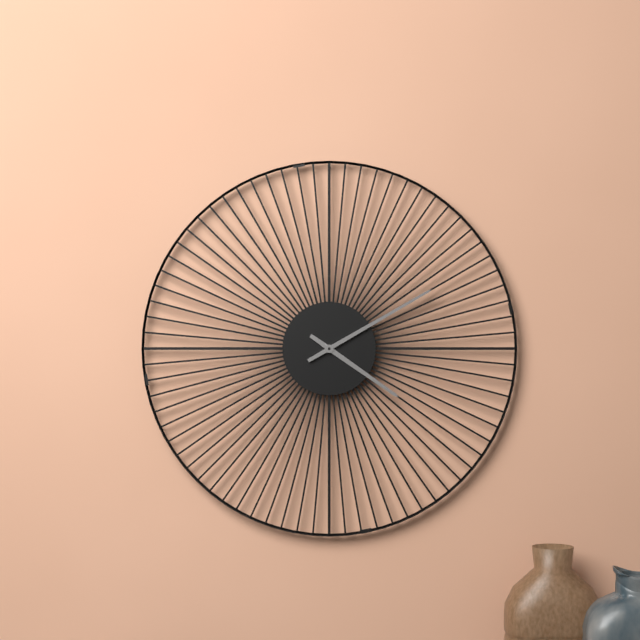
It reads 4:10
